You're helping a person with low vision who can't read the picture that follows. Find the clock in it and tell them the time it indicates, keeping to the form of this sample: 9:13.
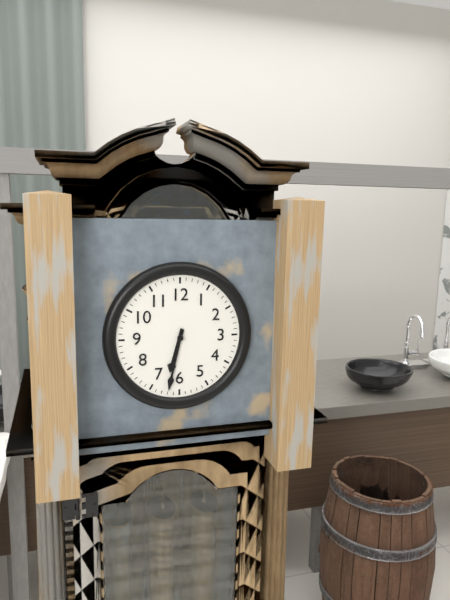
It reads 6:32
